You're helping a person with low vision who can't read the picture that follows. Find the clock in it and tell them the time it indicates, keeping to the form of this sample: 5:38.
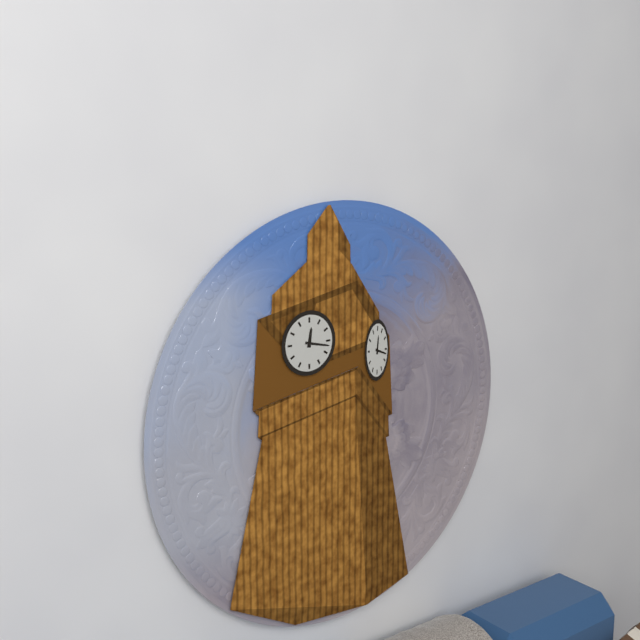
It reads 12:17
